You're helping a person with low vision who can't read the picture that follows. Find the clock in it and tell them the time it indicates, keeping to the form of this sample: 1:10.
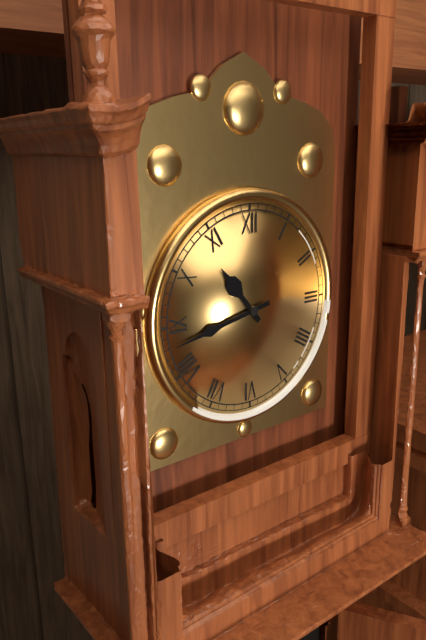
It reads 10:43
